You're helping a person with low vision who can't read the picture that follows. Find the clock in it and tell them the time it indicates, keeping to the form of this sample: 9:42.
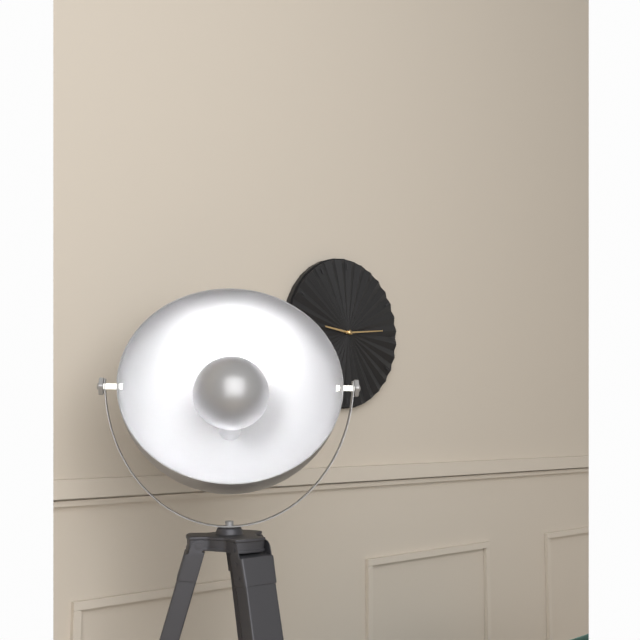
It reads 9:14
